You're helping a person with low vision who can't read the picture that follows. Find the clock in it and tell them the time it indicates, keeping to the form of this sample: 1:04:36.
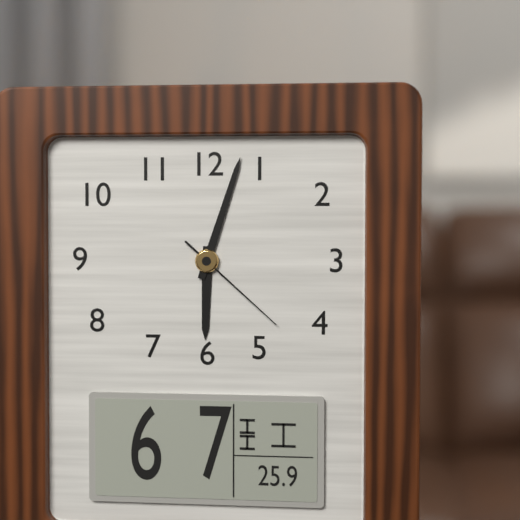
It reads 6:03:22
